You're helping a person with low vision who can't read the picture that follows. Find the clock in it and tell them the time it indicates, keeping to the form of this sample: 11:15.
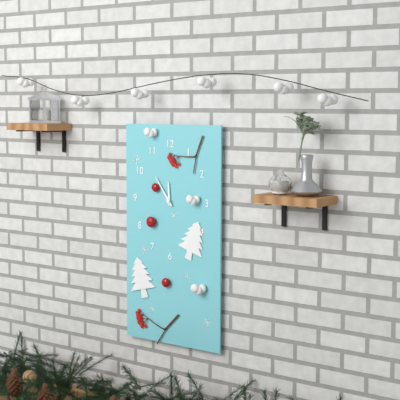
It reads 11:54
